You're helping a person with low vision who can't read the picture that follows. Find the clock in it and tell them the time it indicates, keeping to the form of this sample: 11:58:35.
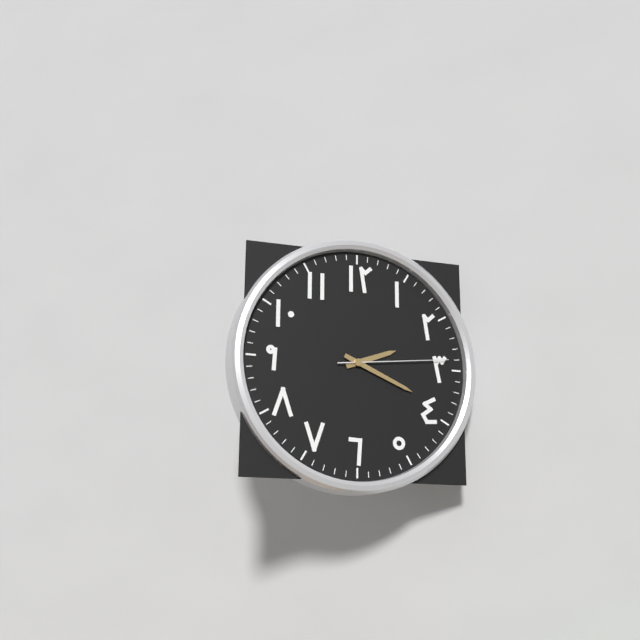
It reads 2:19:14
